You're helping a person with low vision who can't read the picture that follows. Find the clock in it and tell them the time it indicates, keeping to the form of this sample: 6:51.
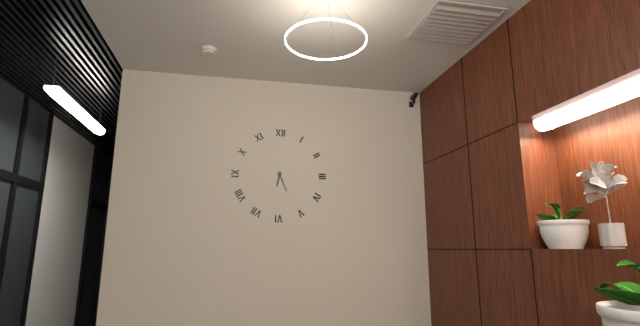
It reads 6:26
